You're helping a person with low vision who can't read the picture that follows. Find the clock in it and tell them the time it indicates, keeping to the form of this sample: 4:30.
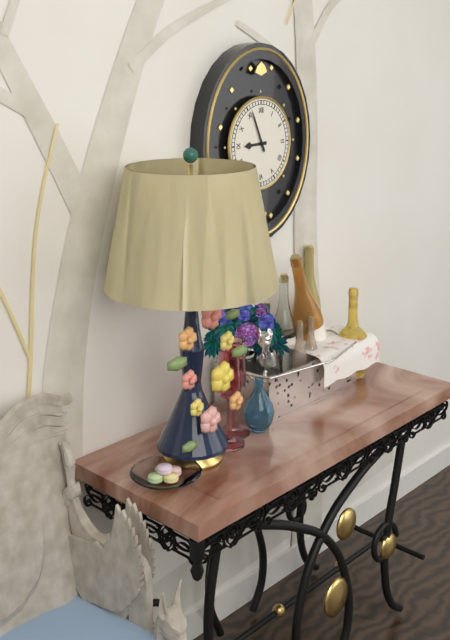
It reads 8:56
